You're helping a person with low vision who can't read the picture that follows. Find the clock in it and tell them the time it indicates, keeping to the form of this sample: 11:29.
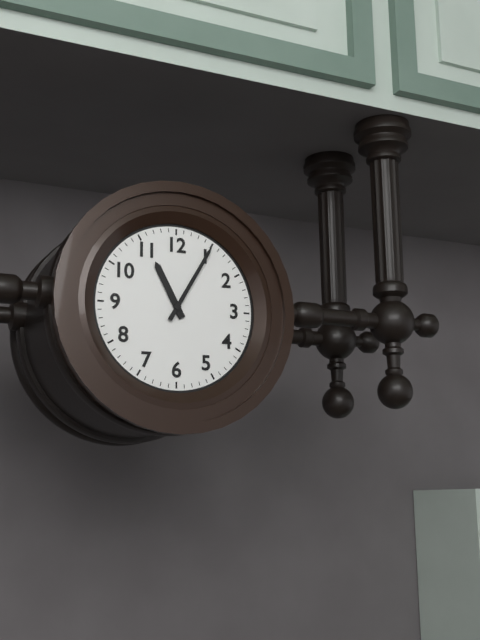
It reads 11:05
